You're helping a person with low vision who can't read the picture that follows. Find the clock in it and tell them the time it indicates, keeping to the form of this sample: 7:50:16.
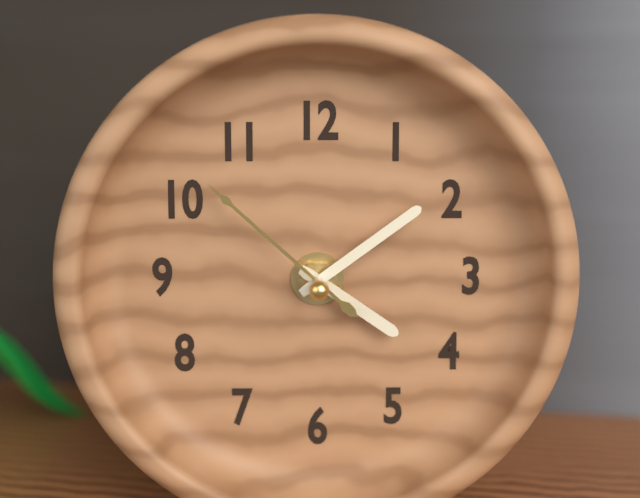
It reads 4:09:52
